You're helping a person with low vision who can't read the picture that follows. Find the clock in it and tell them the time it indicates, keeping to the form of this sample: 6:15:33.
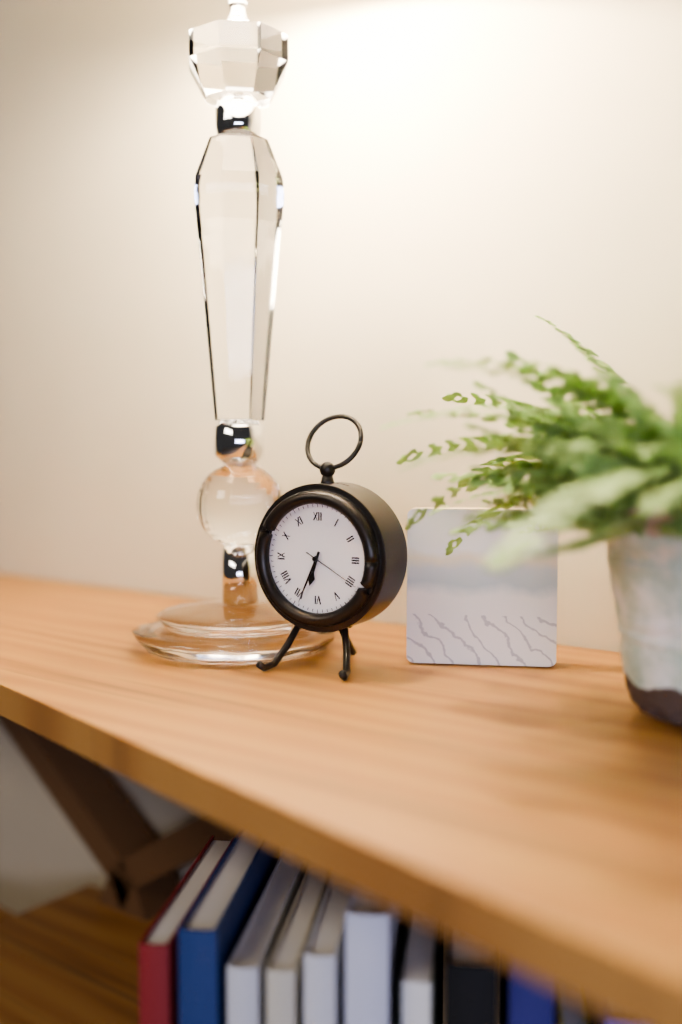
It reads 6:34:20
